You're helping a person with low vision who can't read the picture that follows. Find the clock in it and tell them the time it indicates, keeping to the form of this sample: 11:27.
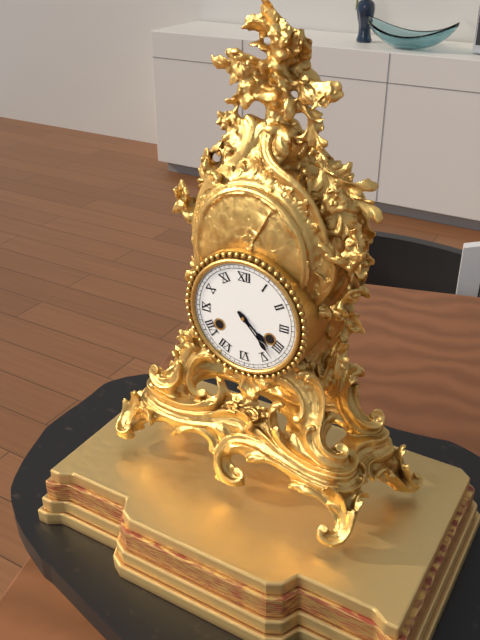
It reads 4:23
